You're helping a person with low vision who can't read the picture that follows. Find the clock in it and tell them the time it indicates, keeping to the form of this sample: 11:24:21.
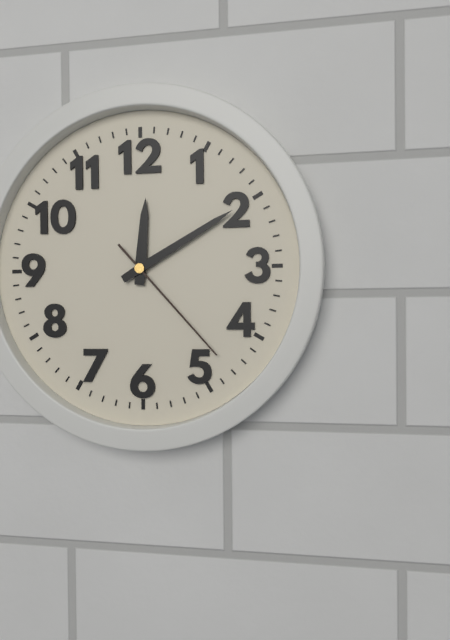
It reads 12:10:23
